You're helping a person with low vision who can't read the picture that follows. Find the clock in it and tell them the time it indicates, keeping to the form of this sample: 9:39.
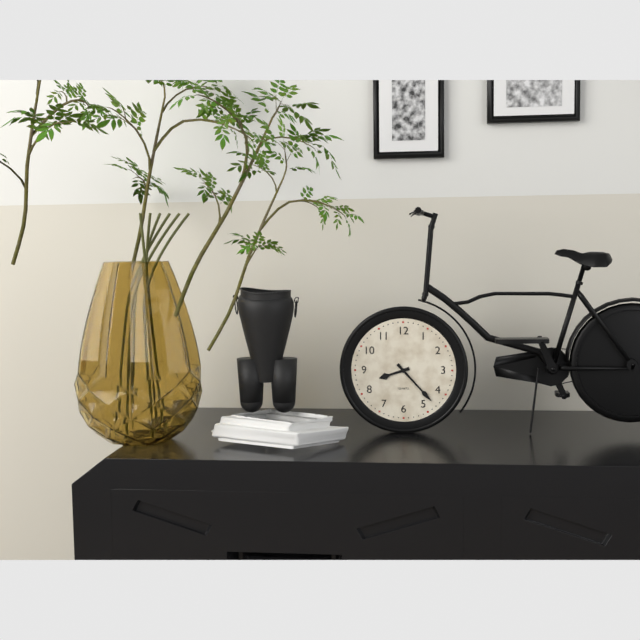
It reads 8:23
